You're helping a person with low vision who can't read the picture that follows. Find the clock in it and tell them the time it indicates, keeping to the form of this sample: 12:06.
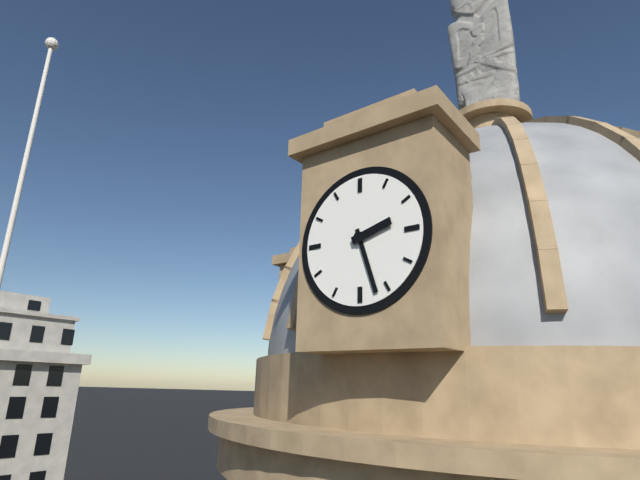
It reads 2:27
